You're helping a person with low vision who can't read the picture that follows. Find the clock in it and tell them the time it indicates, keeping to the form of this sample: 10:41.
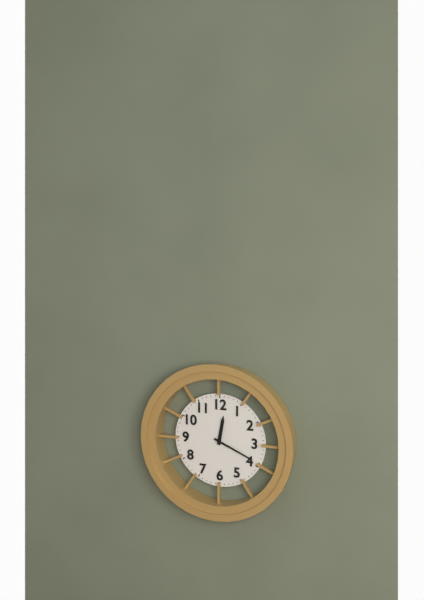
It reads 12:19
